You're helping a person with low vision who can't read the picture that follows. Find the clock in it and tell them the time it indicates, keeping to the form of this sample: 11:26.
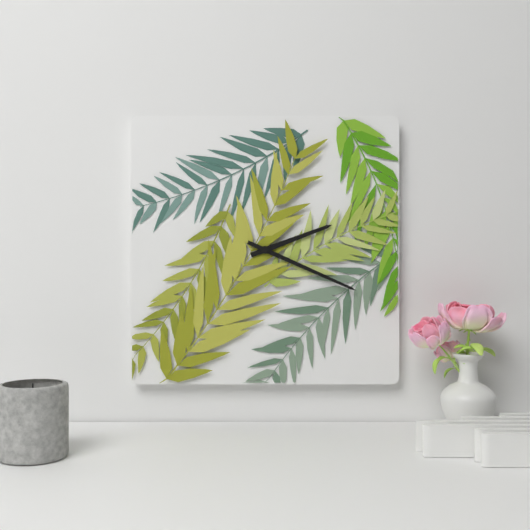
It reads 2:19
